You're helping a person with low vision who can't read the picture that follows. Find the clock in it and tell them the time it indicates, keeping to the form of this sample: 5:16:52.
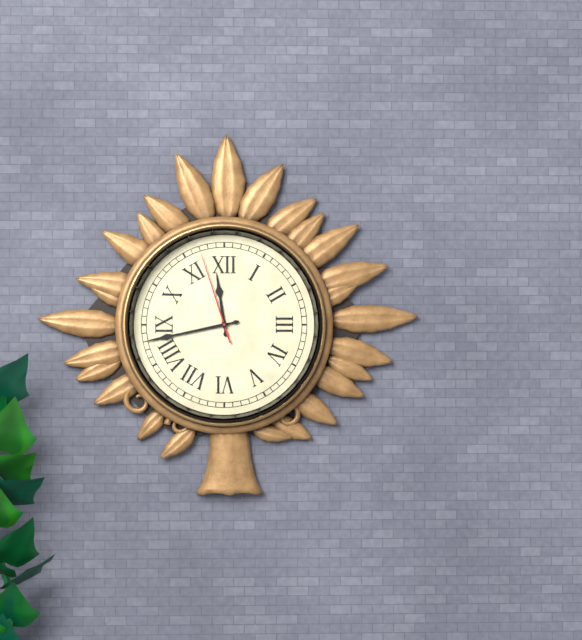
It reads 11:43:57
